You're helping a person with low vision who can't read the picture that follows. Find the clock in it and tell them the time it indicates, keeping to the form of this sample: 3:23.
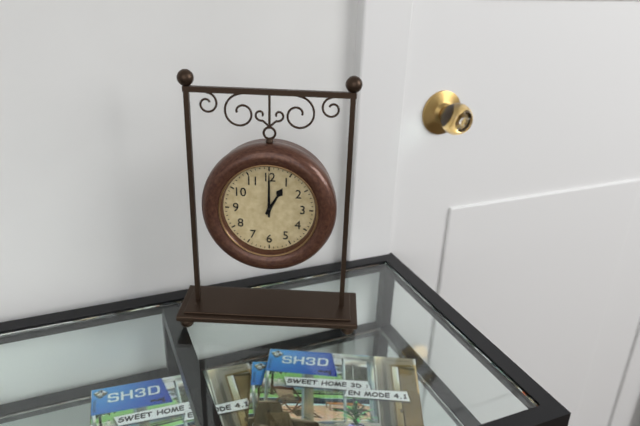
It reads 1:00
